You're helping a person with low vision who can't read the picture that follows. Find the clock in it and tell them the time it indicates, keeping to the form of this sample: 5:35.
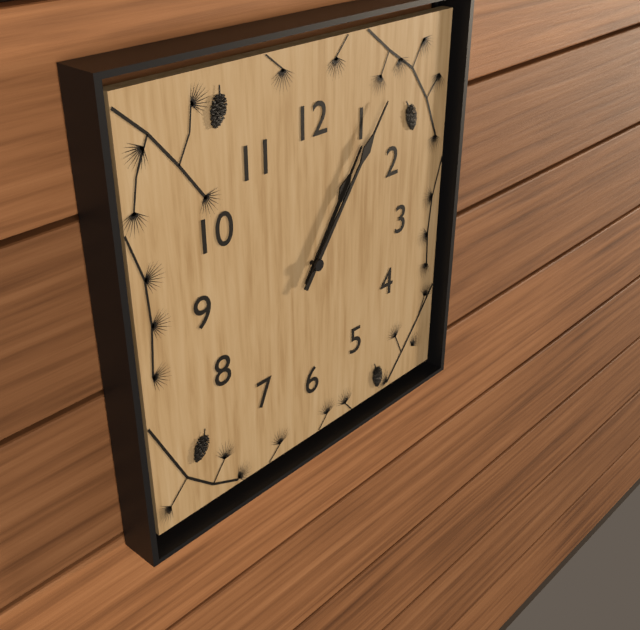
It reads 1:06
